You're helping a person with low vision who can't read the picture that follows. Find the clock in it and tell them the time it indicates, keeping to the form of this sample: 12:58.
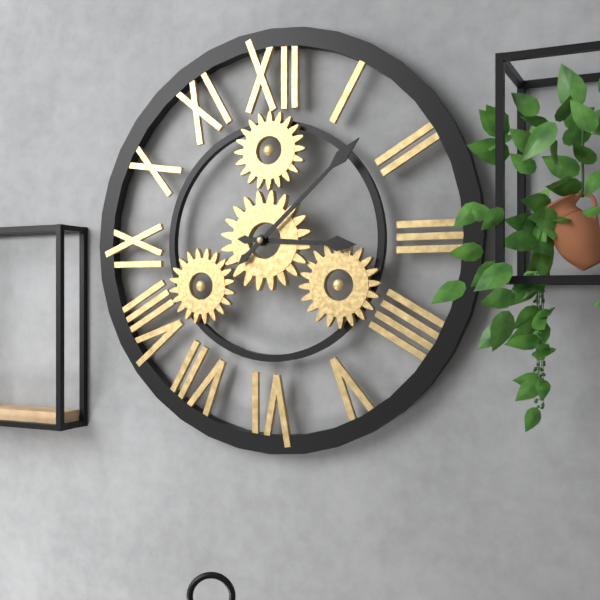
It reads 3:08
